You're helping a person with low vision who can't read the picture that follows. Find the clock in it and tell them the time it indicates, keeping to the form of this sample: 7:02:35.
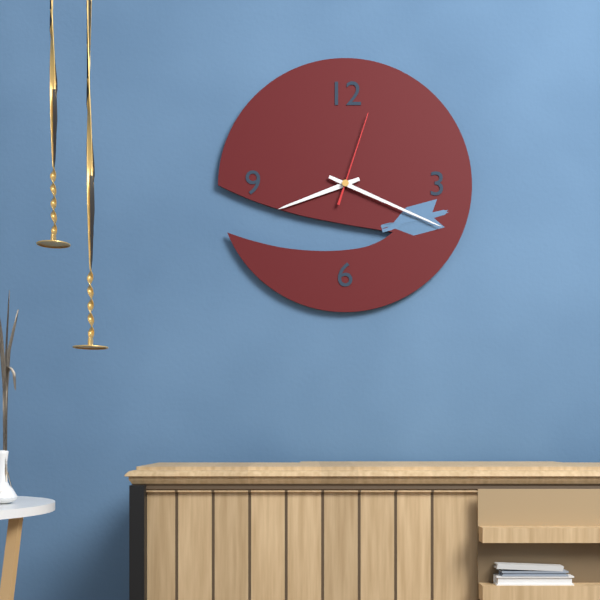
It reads 8:19:03
